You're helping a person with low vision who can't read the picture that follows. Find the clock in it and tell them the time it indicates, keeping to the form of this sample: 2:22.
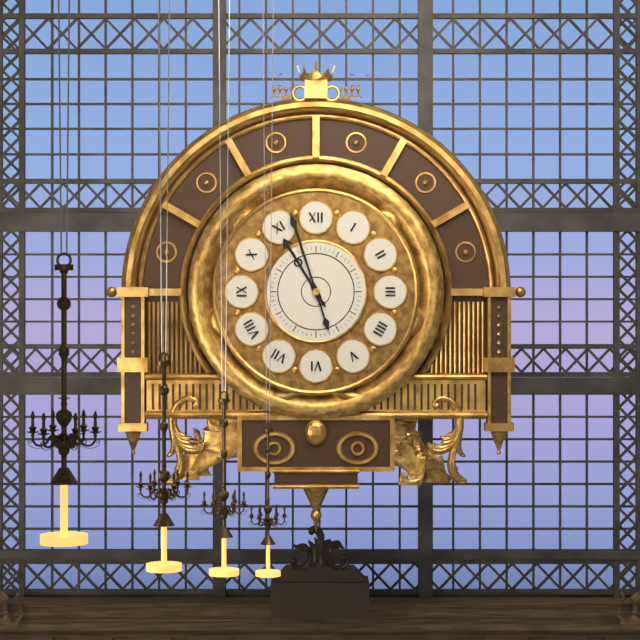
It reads 10:57
